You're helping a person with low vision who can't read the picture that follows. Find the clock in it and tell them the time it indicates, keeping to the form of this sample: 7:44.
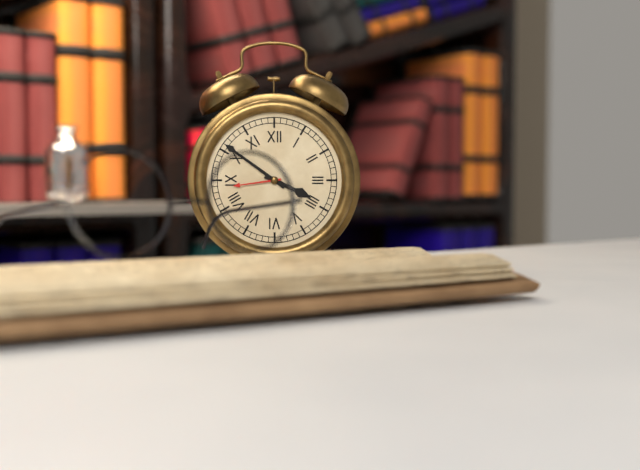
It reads 3:51
